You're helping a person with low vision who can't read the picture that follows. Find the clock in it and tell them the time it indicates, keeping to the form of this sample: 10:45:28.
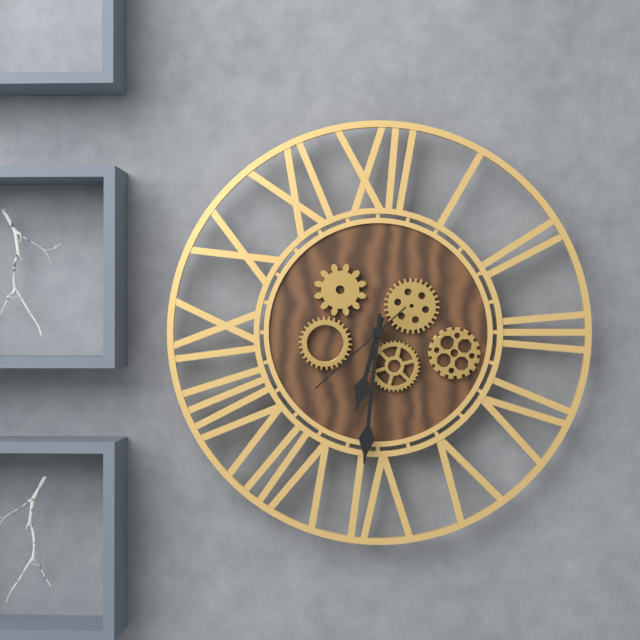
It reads 6:31:38
